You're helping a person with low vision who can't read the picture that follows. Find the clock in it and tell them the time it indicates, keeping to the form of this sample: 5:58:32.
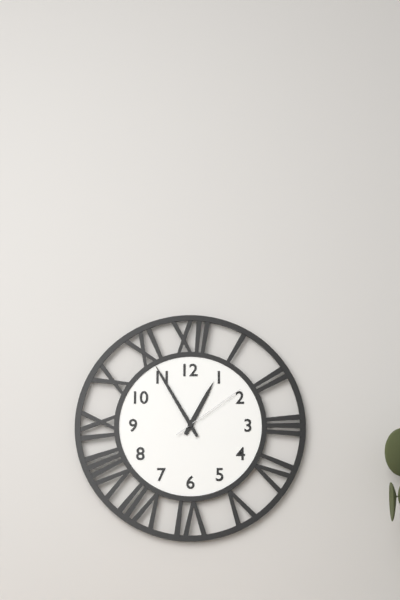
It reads 12:55:09
